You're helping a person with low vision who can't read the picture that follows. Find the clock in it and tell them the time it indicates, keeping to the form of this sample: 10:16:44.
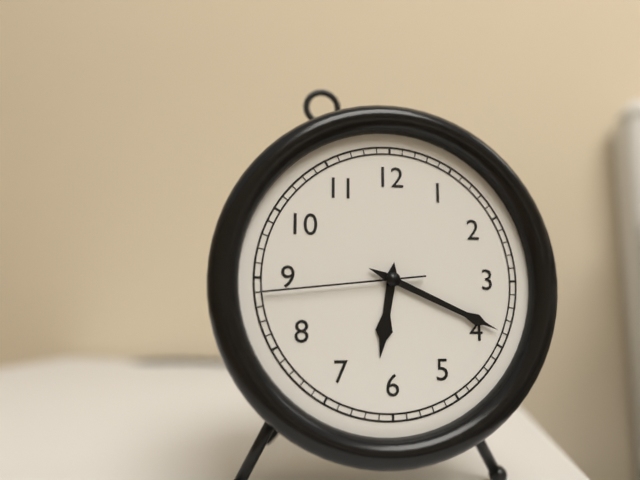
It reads 6:19:44
